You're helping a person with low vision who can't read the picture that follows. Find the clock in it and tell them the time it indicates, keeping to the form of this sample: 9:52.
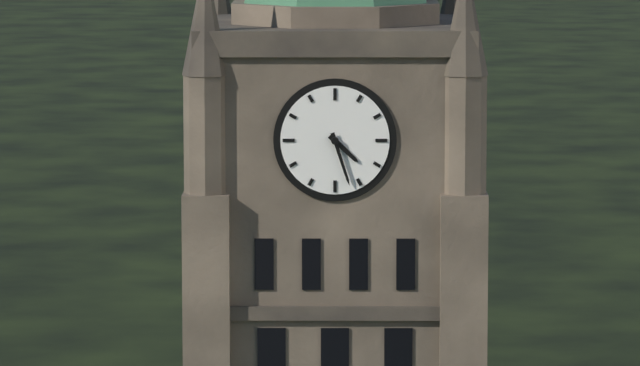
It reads 4:27
